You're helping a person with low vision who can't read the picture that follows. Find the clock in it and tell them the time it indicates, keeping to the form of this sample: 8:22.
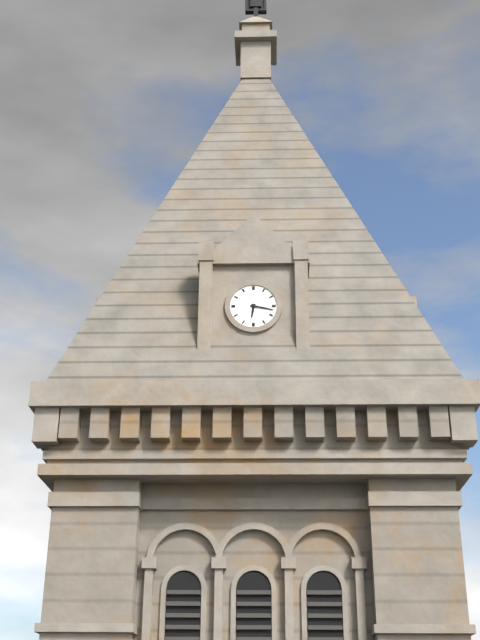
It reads 6:17
